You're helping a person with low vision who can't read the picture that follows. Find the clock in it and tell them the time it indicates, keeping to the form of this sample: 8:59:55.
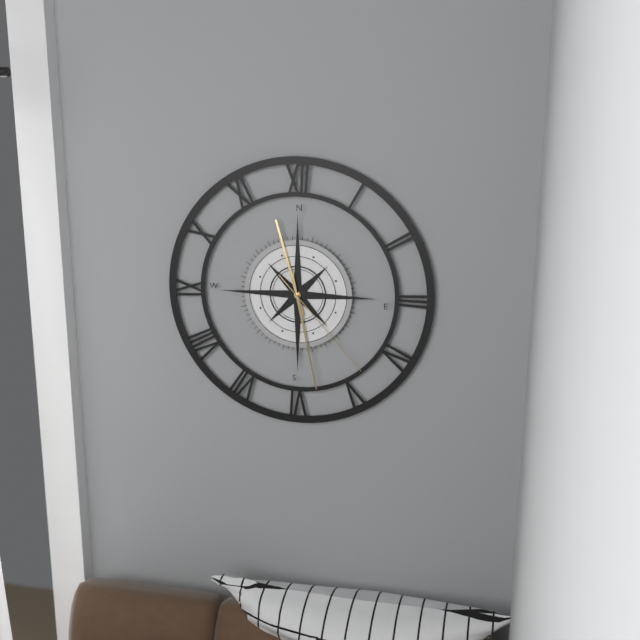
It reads 11:28:23
